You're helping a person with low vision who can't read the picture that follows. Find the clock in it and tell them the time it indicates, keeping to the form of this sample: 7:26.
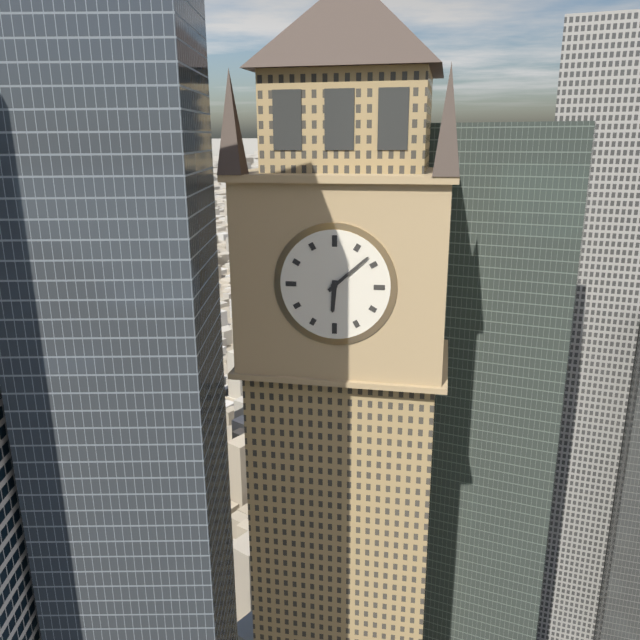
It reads 6:08
